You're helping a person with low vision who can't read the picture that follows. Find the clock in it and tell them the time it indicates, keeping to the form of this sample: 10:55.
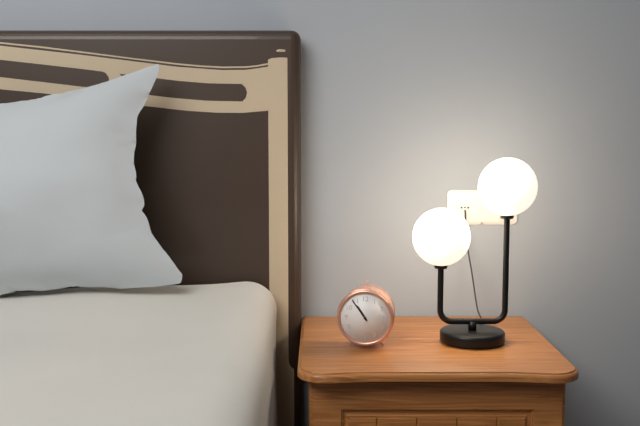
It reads 10:54
